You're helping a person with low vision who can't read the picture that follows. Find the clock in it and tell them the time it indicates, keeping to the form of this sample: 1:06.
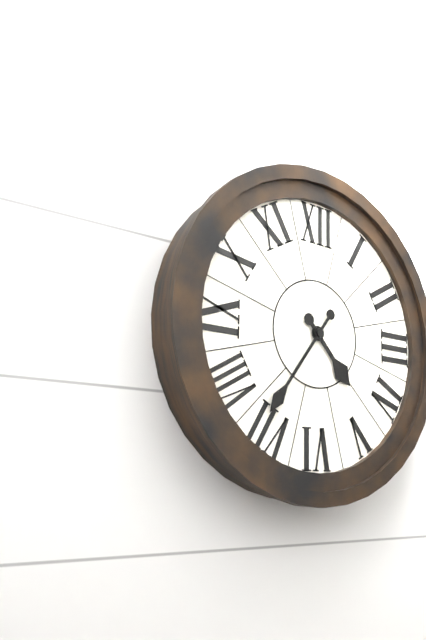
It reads 4:36
